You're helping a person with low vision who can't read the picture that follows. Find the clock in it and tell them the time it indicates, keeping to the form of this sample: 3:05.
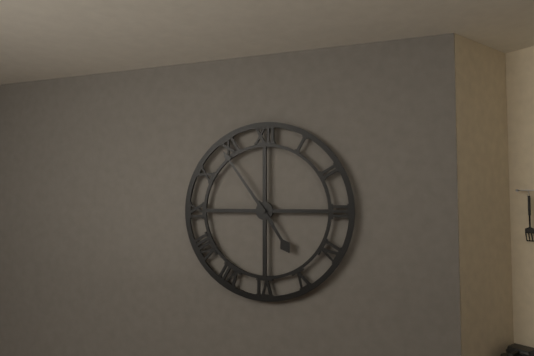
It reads 4:54
